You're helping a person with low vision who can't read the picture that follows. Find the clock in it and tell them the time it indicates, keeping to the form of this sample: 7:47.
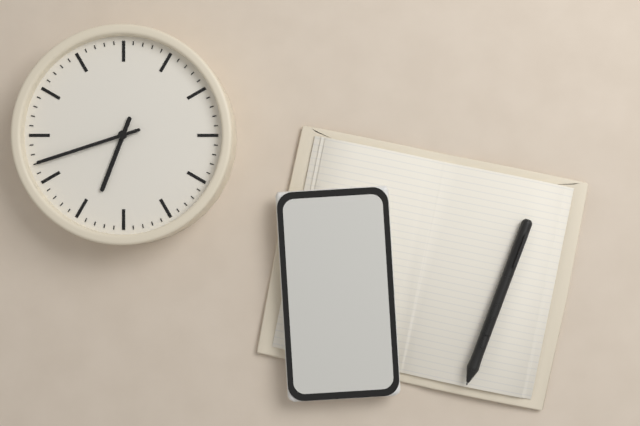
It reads 6:42
